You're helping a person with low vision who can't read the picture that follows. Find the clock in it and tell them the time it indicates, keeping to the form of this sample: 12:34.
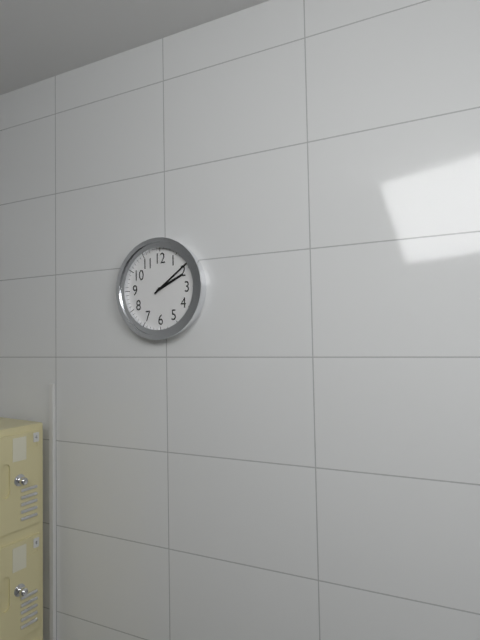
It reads 2:09
